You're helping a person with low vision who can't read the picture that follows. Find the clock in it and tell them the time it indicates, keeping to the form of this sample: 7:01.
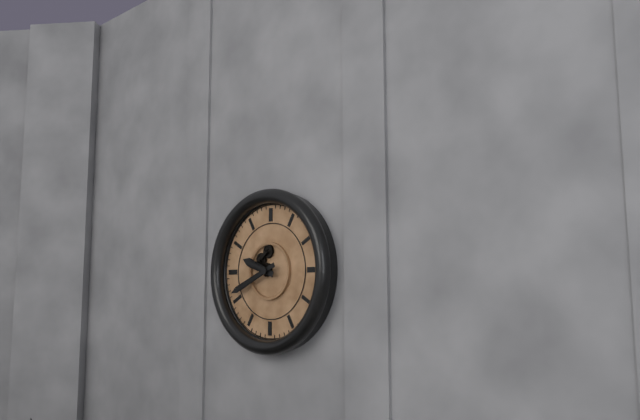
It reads 9:41
